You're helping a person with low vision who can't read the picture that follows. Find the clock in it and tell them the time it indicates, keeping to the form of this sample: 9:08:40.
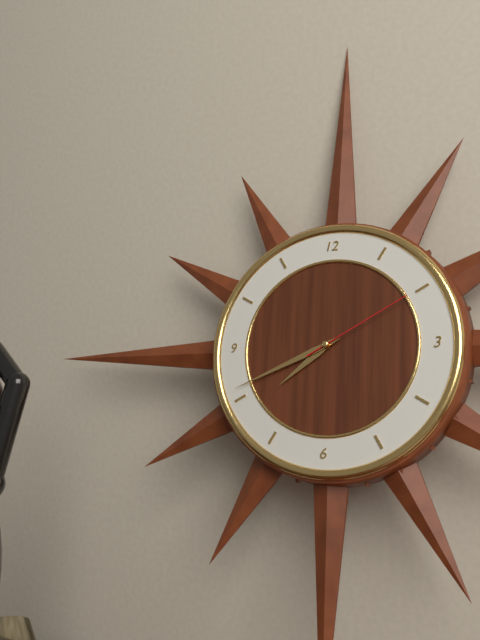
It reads 7:41:10
